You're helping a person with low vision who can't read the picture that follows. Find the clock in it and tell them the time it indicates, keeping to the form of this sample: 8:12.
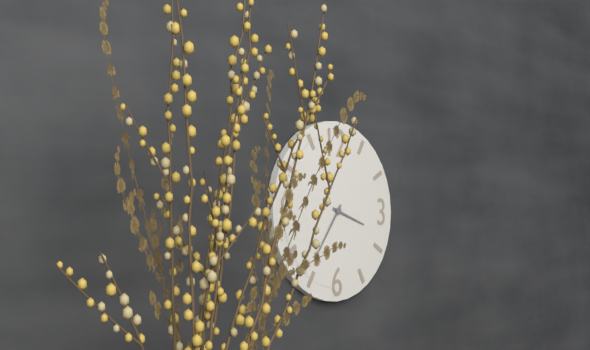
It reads 3:36
